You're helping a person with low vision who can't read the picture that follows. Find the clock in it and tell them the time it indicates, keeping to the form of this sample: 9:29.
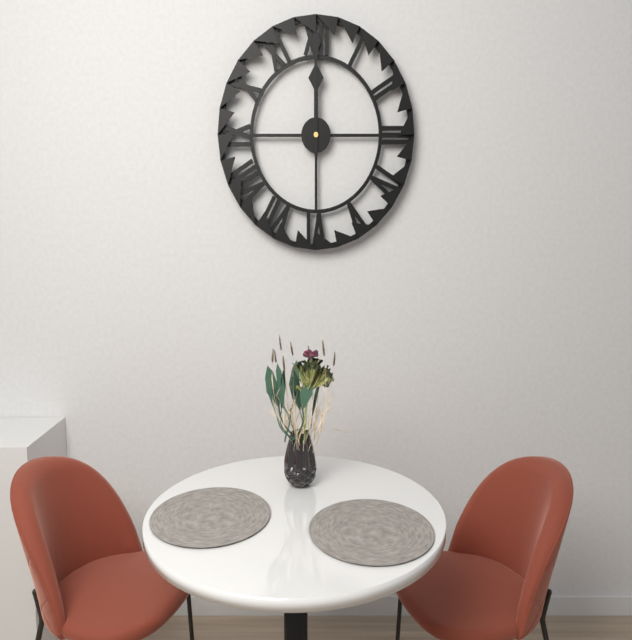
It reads 12:00
